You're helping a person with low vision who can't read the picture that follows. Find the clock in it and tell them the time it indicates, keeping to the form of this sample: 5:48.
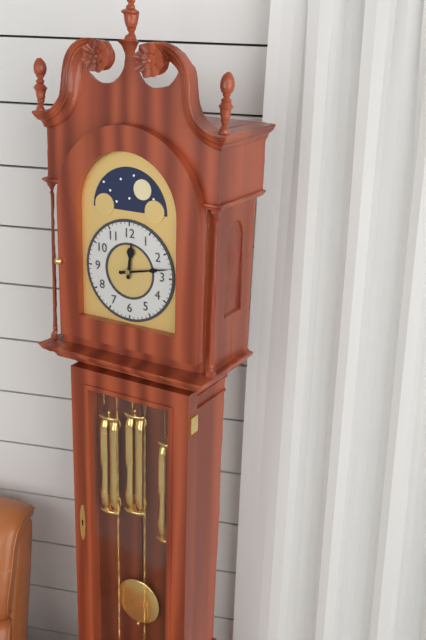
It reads 12:13
